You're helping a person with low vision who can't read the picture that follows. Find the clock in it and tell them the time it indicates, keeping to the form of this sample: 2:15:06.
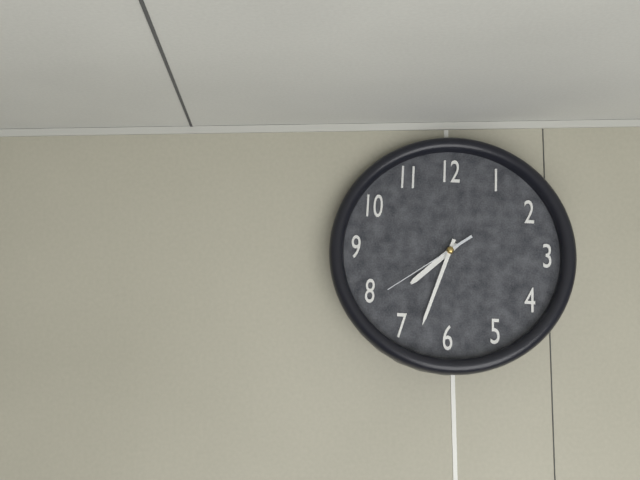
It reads 7:33:39
